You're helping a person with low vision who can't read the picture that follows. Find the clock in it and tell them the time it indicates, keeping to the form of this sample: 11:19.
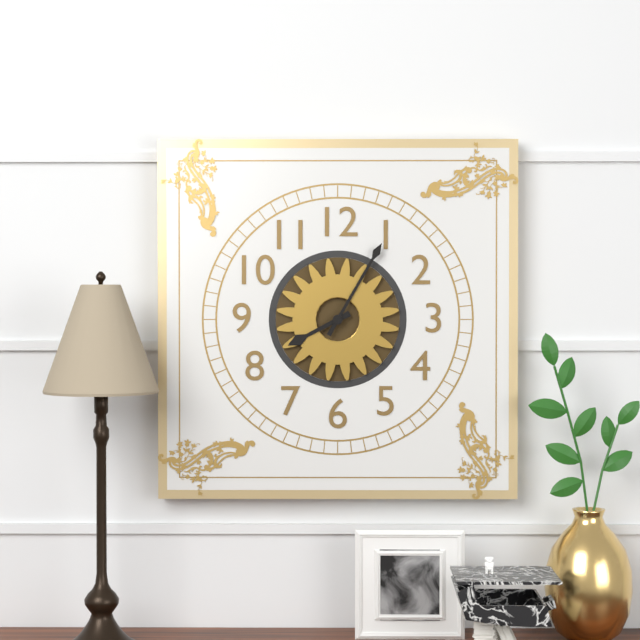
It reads 8:05
